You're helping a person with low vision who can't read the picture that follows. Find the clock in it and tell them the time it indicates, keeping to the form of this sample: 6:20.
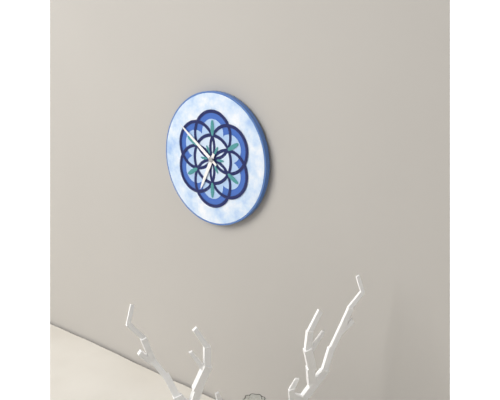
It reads 6:51
